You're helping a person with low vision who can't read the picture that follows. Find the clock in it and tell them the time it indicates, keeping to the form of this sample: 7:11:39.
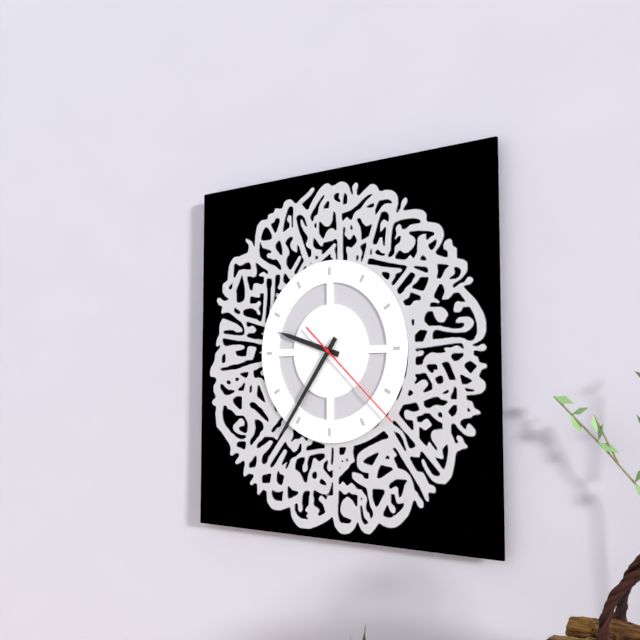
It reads 9:36:22
